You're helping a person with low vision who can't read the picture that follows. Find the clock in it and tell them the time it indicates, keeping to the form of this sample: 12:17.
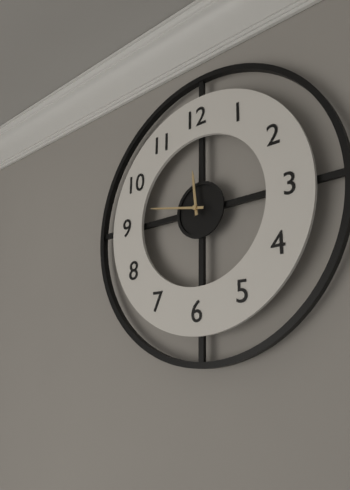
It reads 11:47
